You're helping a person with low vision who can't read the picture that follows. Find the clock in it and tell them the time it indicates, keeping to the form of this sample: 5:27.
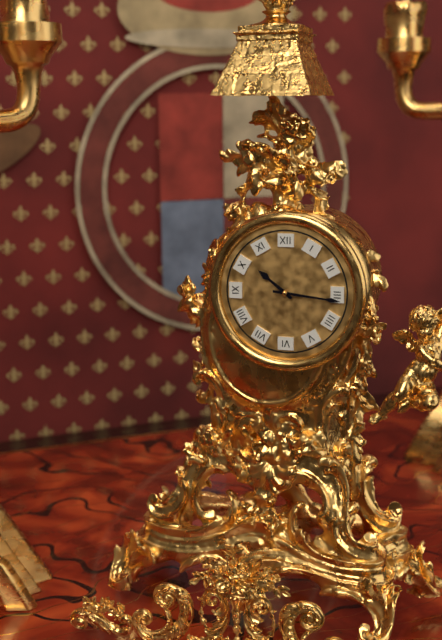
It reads 10:16
